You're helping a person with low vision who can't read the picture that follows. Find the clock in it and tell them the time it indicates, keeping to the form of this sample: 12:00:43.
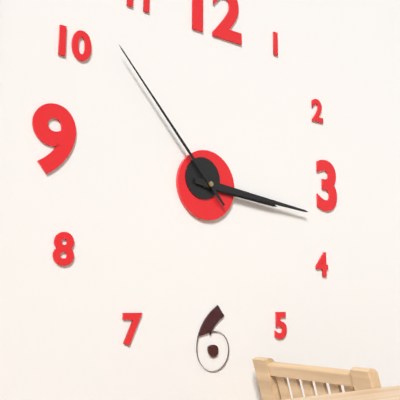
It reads 3:16:53
